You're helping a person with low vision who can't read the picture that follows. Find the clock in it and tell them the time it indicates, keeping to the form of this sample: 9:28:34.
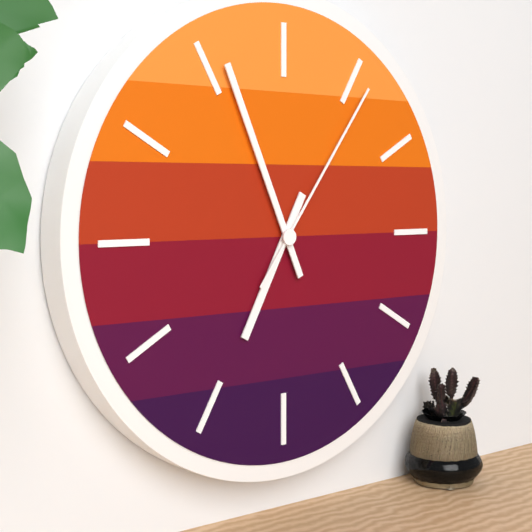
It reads 6:56:06
